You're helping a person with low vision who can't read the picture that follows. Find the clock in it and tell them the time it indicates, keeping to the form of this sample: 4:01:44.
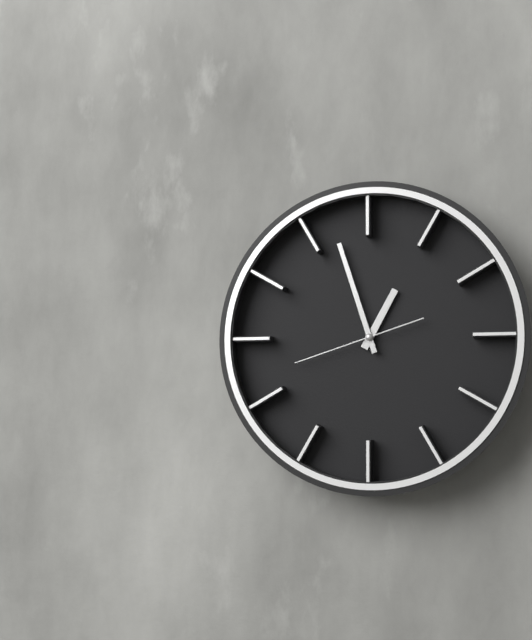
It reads 12:57:42
